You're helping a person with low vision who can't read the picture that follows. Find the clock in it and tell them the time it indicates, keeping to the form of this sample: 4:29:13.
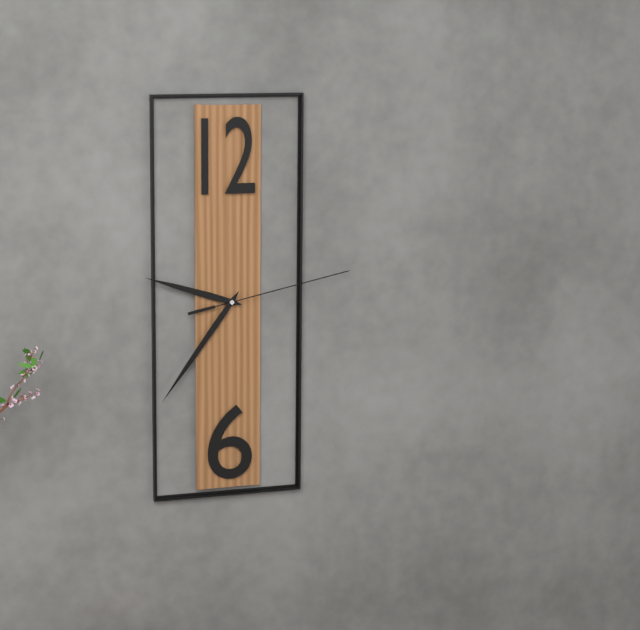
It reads 9:36:13
